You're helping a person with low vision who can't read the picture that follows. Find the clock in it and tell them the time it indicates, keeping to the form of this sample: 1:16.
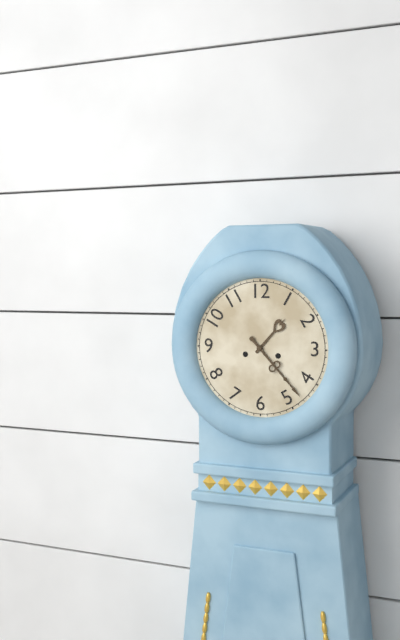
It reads 1:23
